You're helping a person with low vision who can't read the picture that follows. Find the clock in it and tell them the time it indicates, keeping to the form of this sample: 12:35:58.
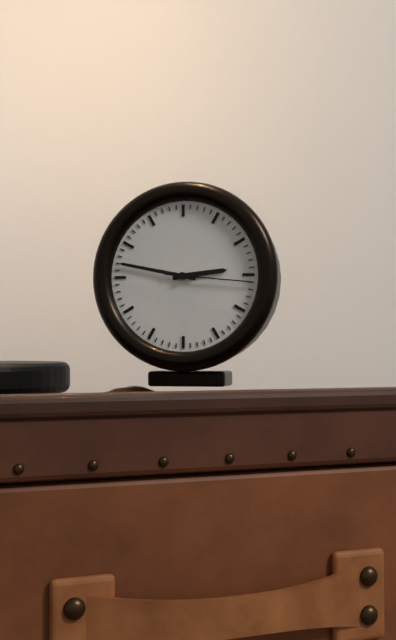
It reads 2:47:16
